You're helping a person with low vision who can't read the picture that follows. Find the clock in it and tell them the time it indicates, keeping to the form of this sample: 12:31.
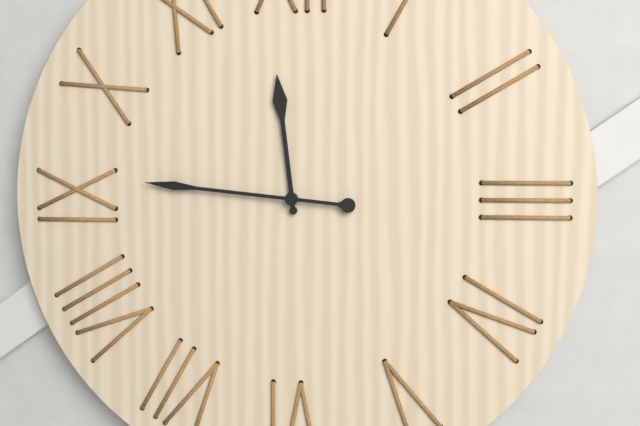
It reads 11:46
